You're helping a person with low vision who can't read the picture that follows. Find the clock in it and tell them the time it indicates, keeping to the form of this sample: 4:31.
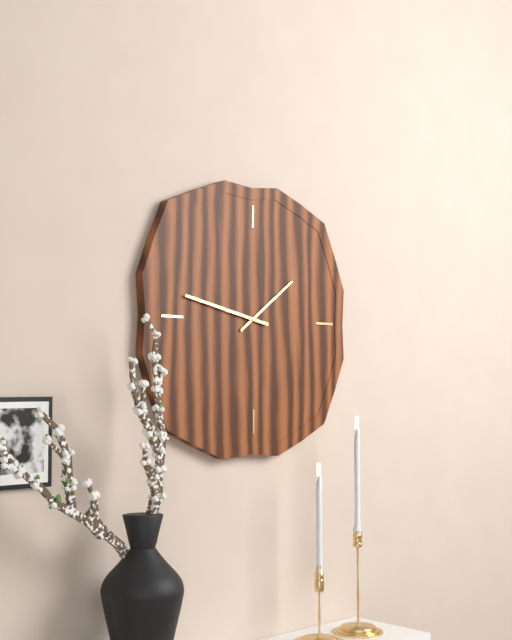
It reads 1:47
